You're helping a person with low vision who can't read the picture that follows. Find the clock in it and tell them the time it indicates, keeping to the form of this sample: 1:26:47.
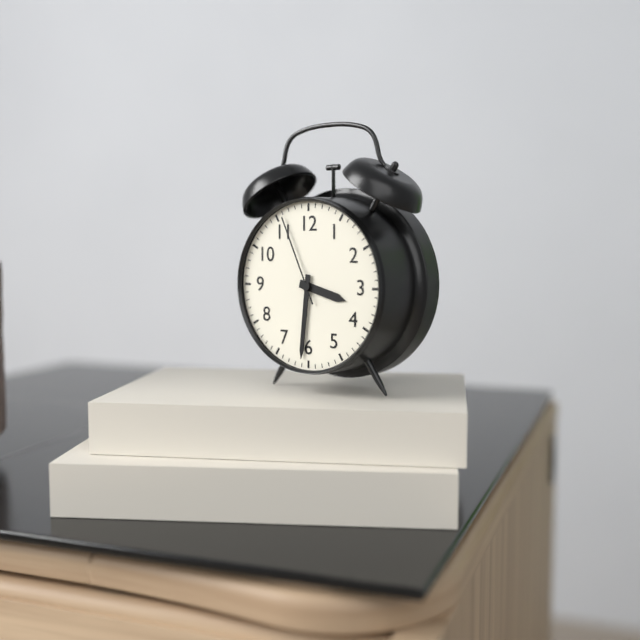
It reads 3:31:56
